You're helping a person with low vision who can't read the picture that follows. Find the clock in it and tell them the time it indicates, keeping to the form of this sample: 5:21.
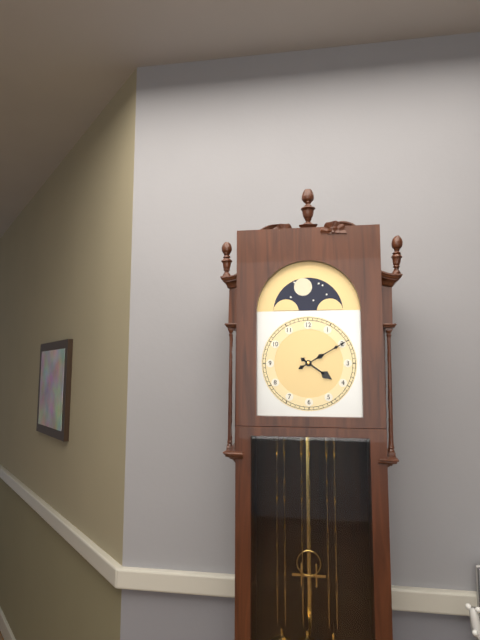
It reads 4:10
